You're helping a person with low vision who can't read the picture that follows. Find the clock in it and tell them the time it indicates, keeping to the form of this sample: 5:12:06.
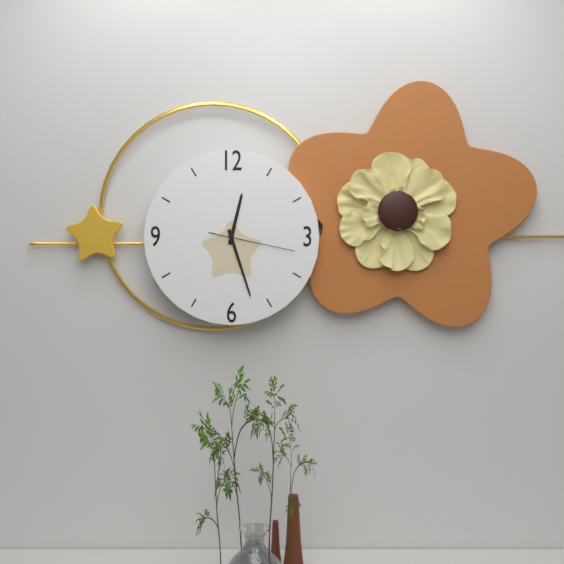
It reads 12:27:17
